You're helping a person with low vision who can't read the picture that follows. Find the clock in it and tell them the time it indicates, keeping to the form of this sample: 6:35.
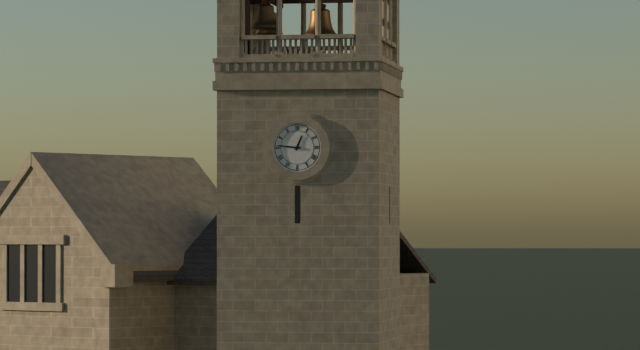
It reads 12:46
